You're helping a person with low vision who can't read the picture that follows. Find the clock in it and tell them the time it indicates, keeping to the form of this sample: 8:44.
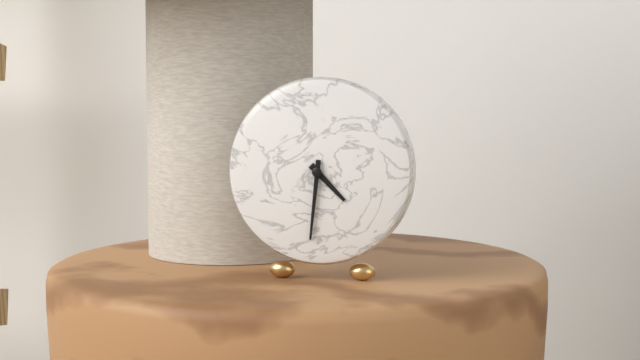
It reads 4:31
